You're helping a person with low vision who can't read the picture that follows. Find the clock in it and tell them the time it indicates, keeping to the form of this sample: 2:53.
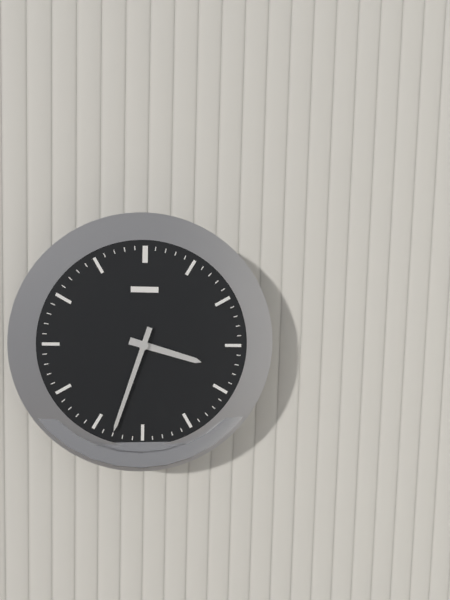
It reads 3:33
